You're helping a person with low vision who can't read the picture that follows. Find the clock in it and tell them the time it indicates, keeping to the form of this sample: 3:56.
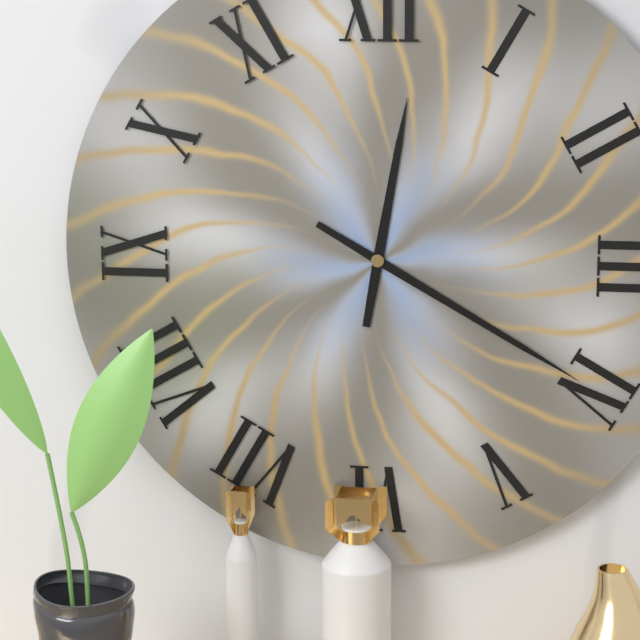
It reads 12:20
